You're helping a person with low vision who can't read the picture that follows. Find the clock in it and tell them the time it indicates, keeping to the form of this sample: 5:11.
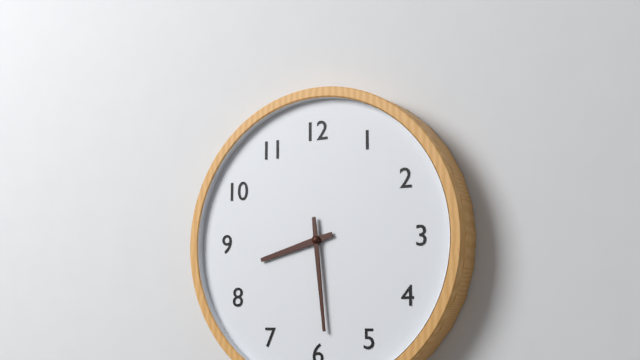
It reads 8:29
